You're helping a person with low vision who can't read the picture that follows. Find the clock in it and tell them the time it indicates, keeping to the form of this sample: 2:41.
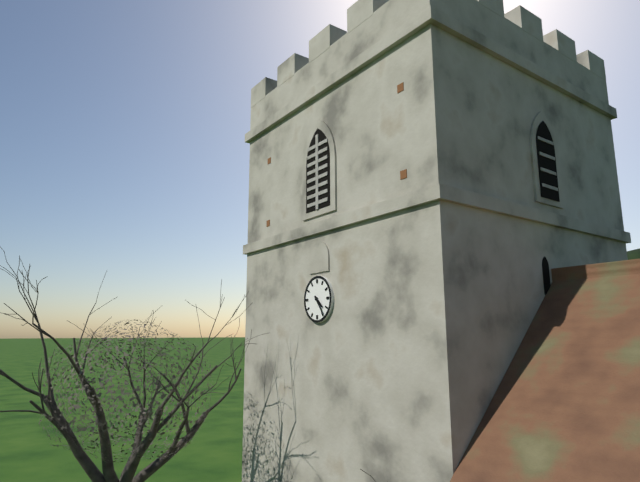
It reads 4:24
